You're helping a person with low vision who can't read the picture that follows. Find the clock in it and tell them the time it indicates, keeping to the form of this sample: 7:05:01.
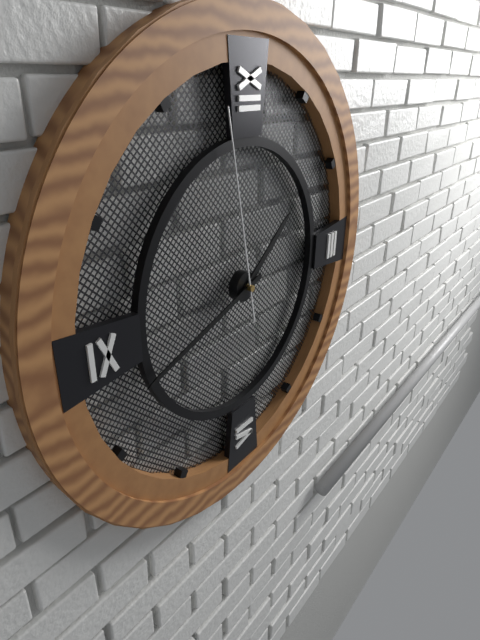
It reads 1:42:58
